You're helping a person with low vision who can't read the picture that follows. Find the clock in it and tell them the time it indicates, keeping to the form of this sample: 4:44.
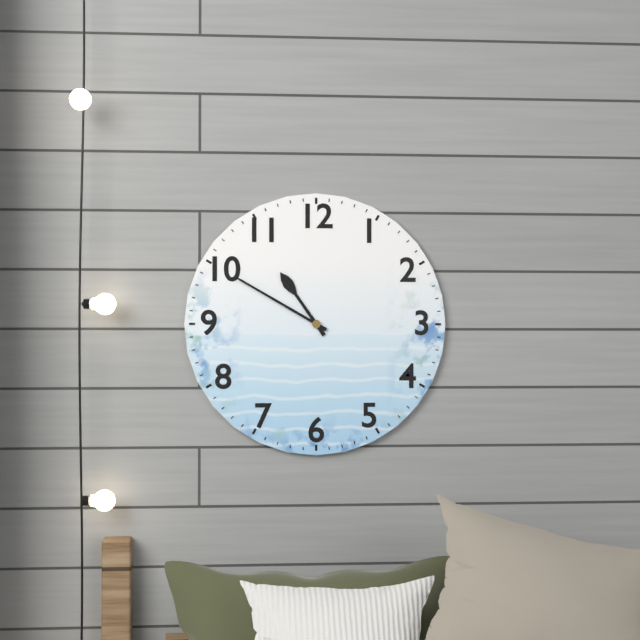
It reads 10:50
